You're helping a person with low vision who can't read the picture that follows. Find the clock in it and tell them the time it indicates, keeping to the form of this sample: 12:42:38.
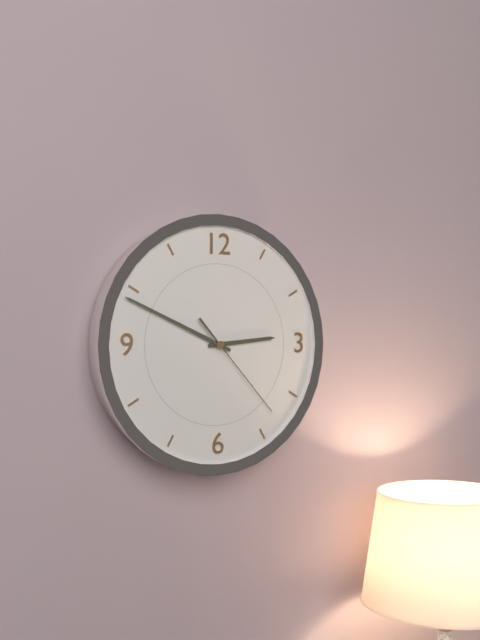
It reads 2:49:23
